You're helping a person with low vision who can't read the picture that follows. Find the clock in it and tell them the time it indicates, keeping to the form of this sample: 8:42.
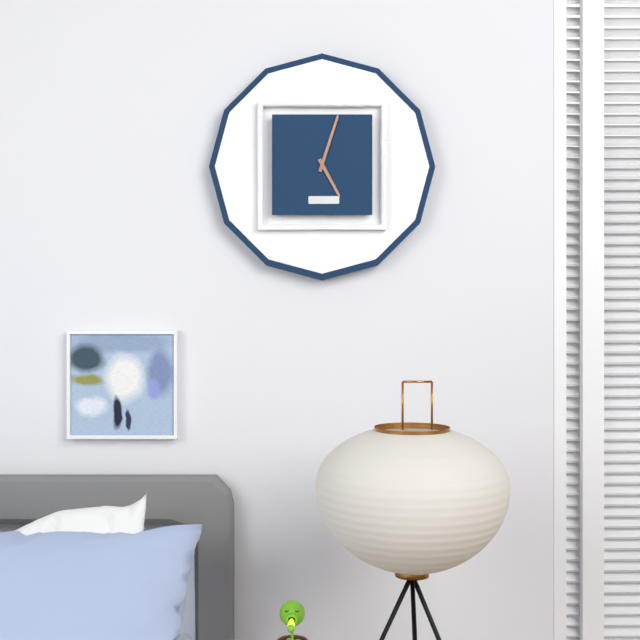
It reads 5:03
